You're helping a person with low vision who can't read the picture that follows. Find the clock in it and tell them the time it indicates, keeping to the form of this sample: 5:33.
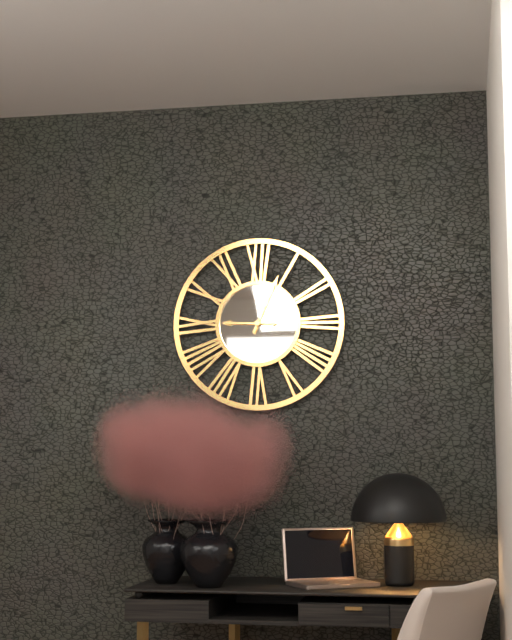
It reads 9:04
